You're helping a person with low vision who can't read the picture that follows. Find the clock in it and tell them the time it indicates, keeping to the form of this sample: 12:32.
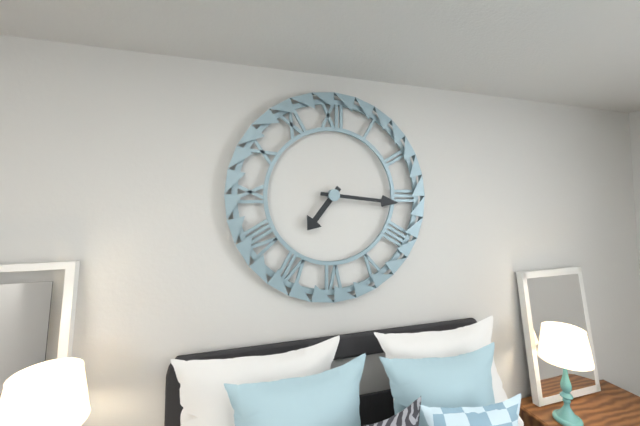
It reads 7:16
